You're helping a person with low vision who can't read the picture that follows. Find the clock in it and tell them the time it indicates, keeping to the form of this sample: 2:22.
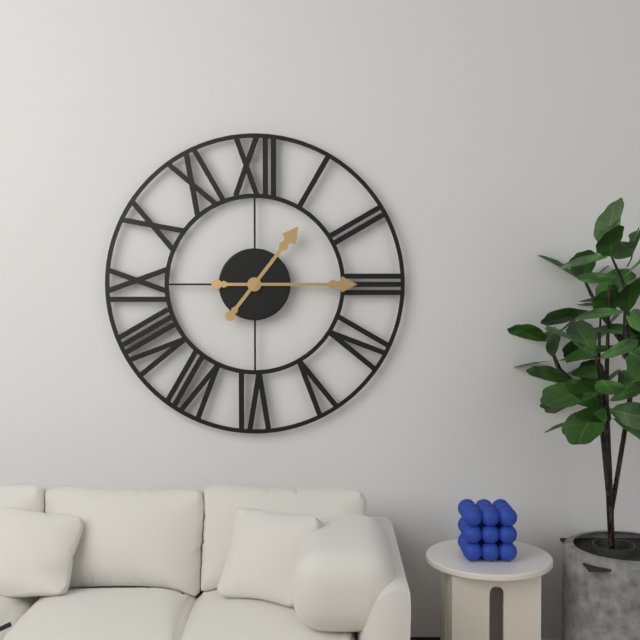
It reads 1:15
